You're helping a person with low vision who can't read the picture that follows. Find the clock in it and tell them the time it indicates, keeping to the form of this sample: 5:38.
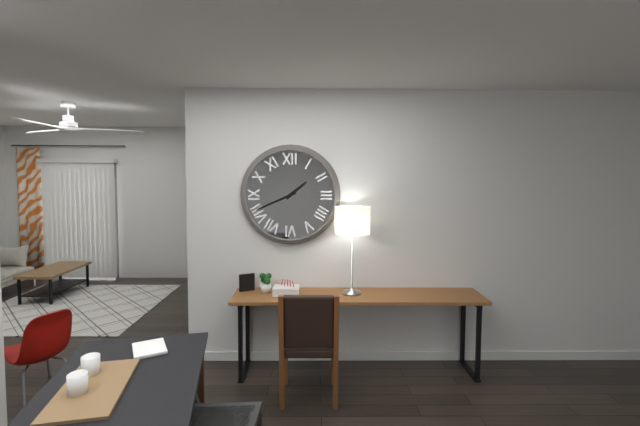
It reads 1:41
